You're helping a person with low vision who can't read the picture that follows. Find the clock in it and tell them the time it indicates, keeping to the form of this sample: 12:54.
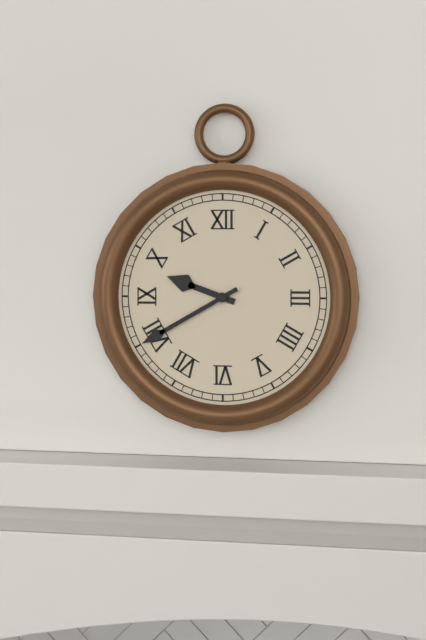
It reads 9:40
